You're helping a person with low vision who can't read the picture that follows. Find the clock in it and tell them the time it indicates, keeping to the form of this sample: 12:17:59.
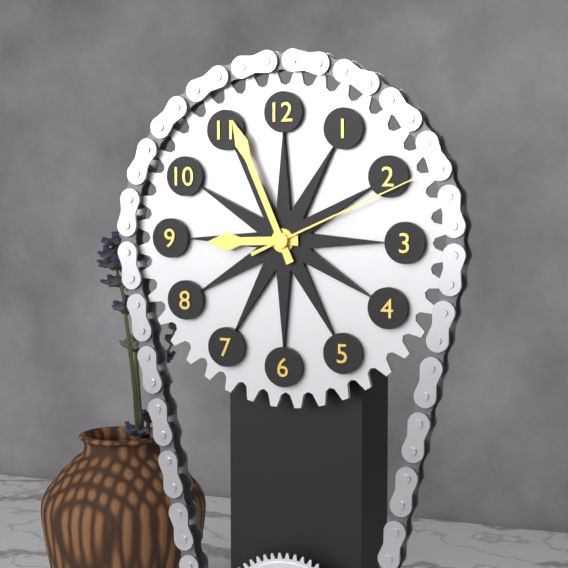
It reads 8:56:11
